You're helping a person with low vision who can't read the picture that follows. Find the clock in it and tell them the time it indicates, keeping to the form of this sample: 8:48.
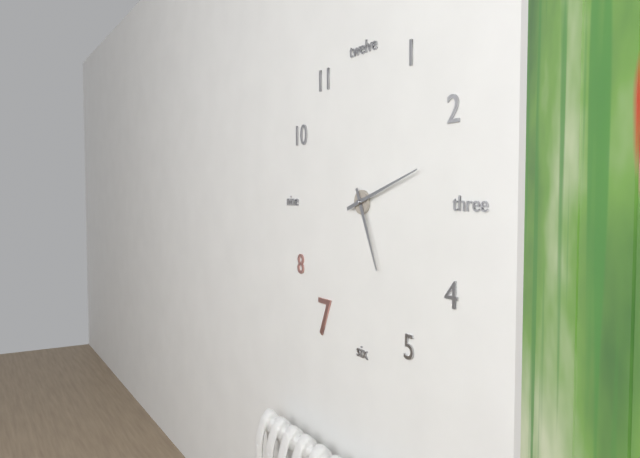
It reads 5:12
